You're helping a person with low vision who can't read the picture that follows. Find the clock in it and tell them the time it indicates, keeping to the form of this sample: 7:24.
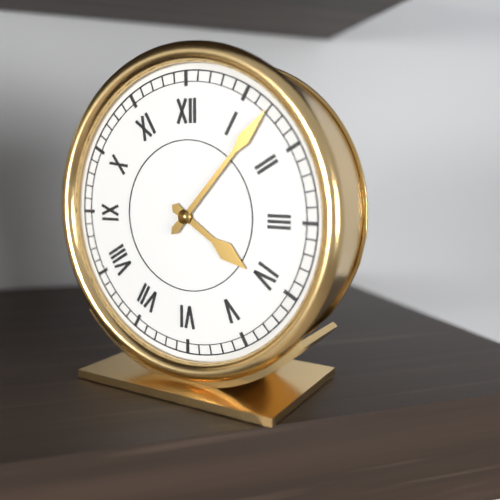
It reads 4:07
